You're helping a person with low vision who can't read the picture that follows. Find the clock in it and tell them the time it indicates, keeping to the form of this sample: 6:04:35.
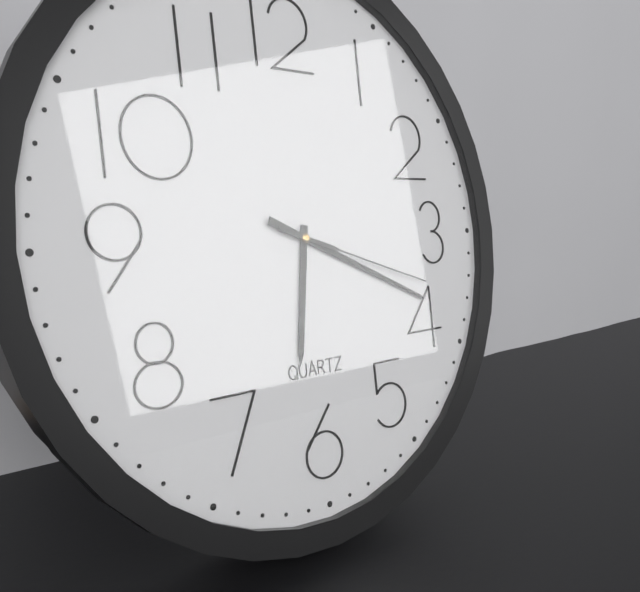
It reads 6:19:18
